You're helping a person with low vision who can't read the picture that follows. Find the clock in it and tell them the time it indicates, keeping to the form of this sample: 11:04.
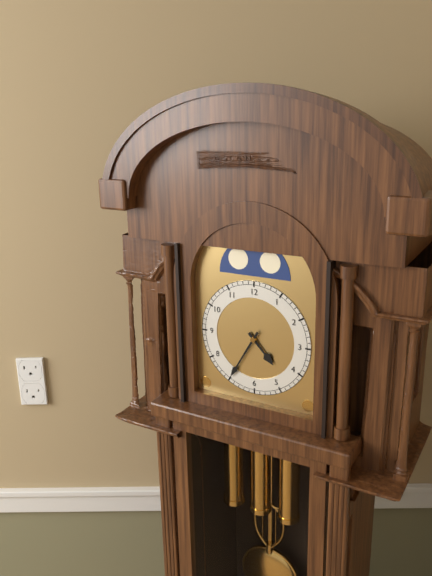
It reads 4:35
